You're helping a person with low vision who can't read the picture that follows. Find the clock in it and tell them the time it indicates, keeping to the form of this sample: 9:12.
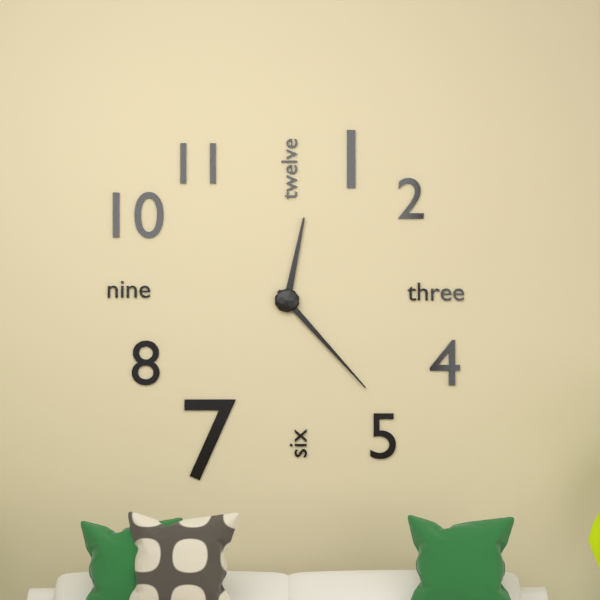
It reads 12:23
